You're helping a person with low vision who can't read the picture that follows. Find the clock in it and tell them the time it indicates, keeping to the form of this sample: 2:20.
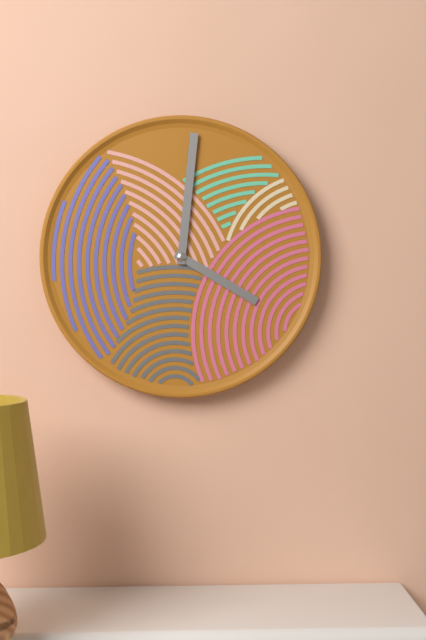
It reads 4:01
